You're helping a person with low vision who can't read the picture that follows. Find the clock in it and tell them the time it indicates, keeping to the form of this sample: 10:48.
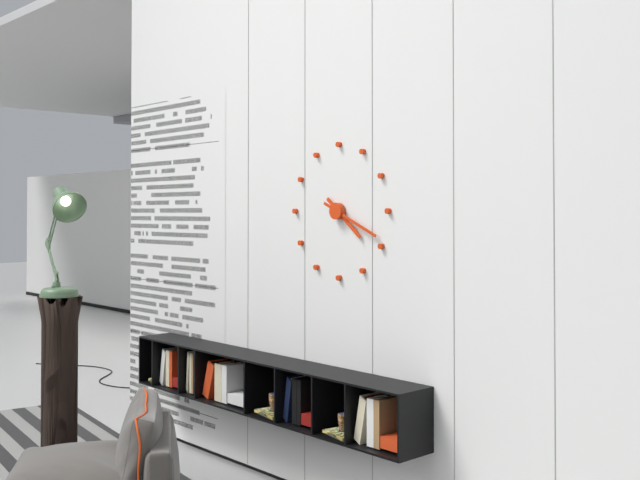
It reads 4:19
